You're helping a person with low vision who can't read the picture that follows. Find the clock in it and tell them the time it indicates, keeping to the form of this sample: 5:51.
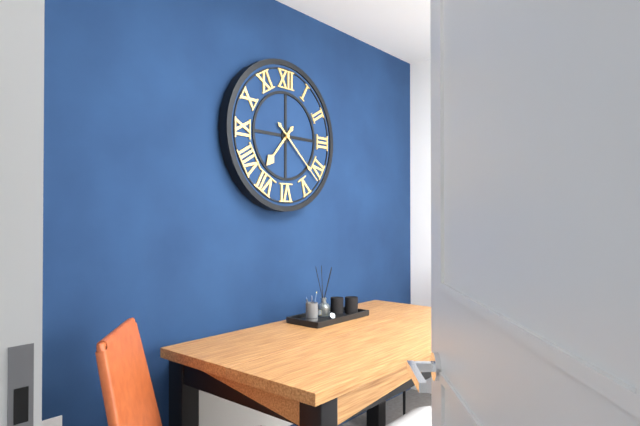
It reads 7:22
